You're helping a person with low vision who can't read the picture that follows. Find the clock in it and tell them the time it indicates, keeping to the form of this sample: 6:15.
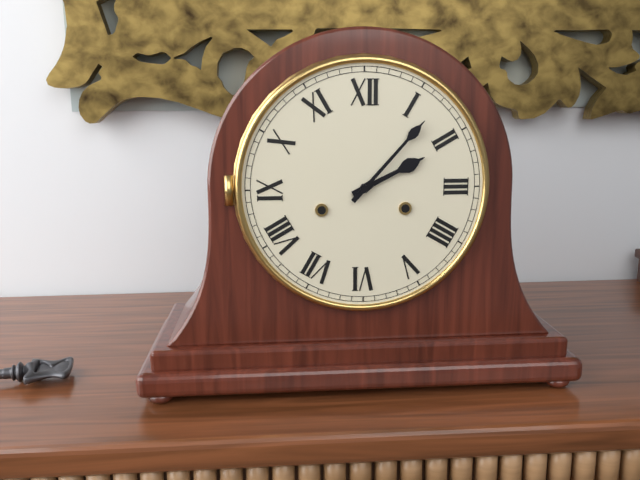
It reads 2:07
